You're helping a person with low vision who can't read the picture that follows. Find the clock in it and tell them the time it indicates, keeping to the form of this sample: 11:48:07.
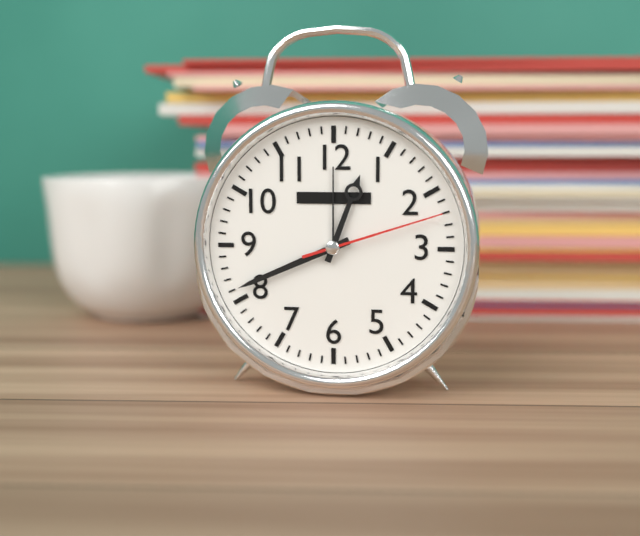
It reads 12:41:12
